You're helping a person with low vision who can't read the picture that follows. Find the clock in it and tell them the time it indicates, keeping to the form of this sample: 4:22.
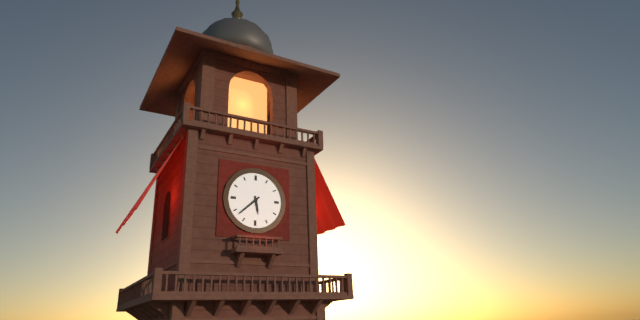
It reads 5:38
